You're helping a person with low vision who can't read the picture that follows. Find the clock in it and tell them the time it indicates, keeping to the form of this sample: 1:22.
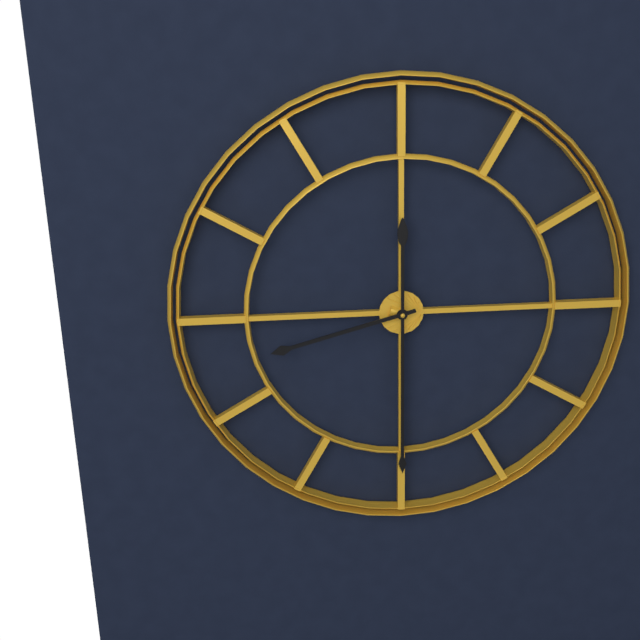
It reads 8:30
